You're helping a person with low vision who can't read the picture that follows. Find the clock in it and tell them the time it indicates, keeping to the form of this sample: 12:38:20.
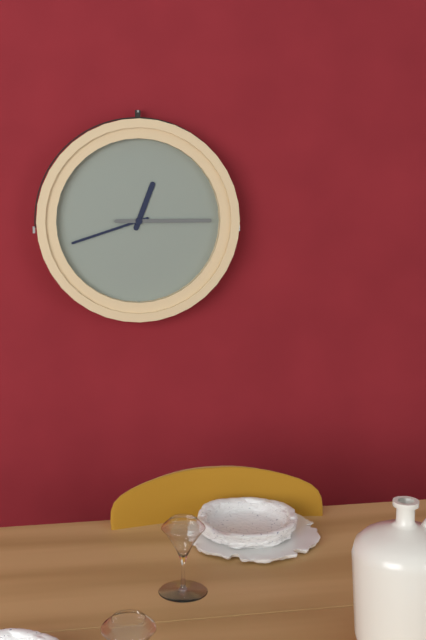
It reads 12:42:15
